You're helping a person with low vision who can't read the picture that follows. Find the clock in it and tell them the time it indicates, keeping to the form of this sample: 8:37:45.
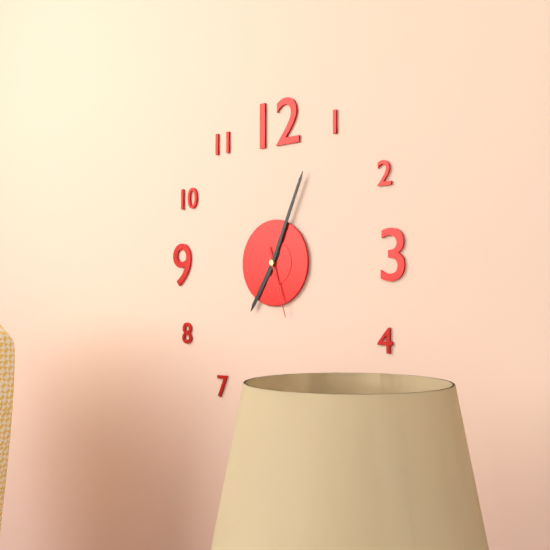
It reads 7:04:27
